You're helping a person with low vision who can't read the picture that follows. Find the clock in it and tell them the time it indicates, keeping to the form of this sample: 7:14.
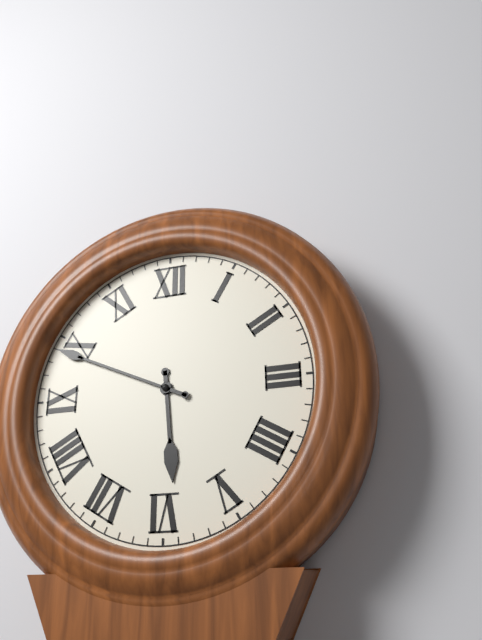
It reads 5:49
